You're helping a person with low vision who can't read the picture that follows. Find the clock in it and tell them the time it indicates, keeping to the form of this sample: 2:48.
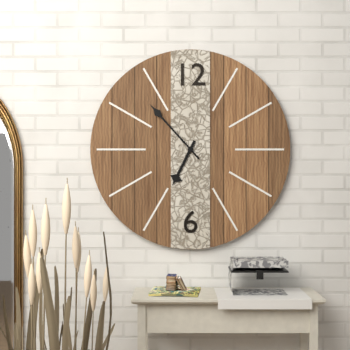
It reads 6:53
